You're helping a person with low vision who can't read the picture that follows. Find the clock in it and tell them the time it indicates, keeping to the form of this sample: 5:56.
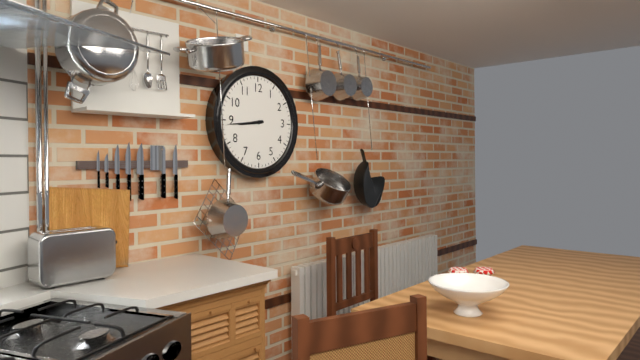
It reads 8:44
